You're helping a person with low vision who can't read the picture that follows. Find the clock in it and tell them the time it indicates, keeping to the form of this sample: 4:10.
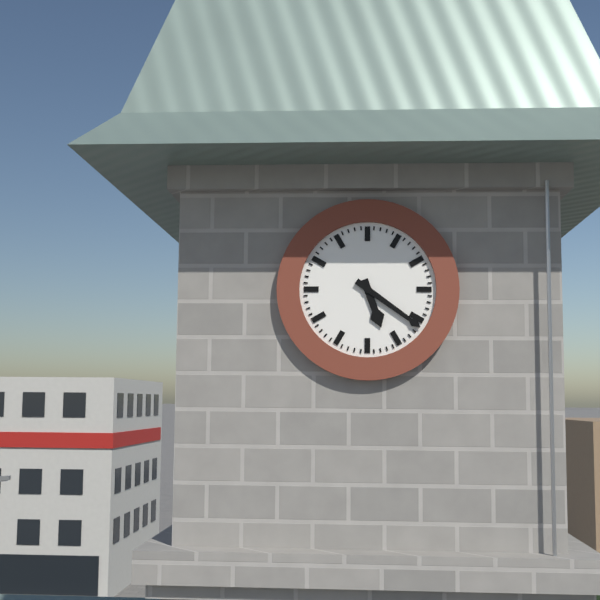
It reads 5:21
